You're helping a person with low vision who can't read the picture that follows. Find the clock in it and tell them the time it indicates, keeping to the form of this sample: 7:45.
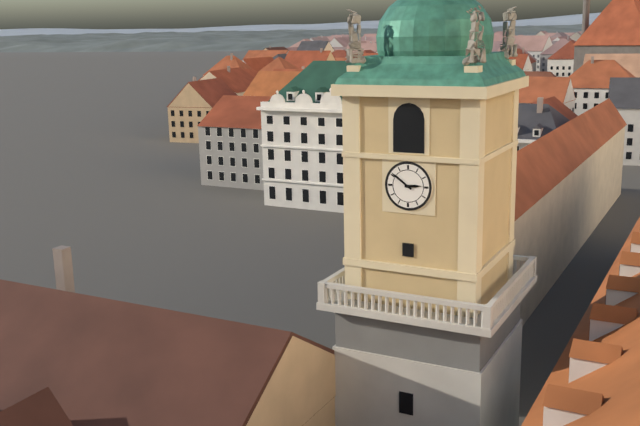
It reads 2:51
